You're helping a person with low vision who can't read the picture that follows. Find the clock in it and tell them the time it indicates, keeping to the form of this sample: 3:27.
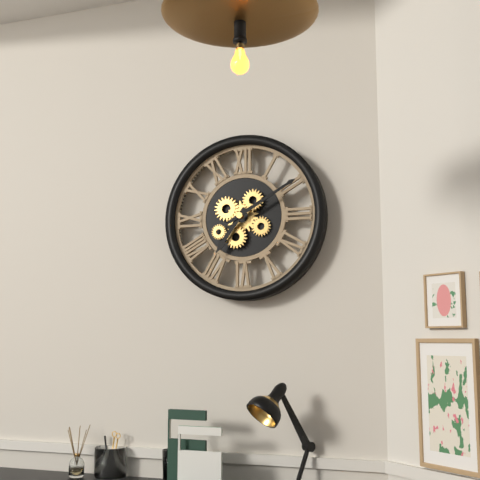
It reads 7:10
